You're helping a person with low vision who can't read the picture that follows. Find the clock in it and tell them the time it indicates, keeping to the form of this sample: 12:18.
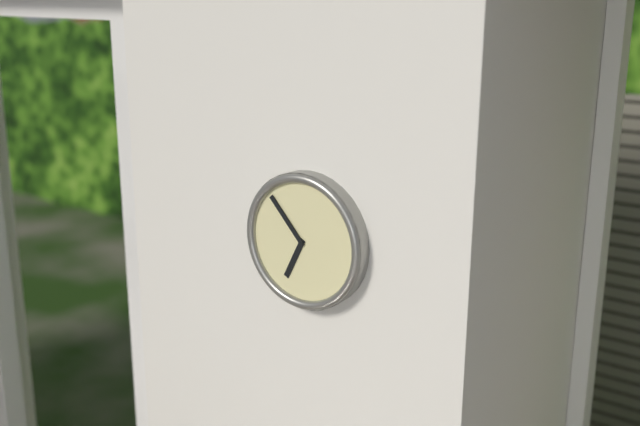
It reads 6:53
